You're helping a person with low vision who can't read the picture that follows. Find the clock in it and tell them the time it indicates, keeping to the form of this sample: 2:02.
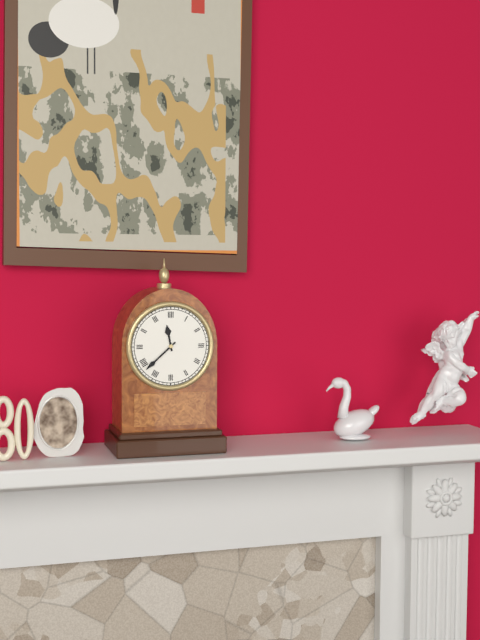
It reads 11:38
